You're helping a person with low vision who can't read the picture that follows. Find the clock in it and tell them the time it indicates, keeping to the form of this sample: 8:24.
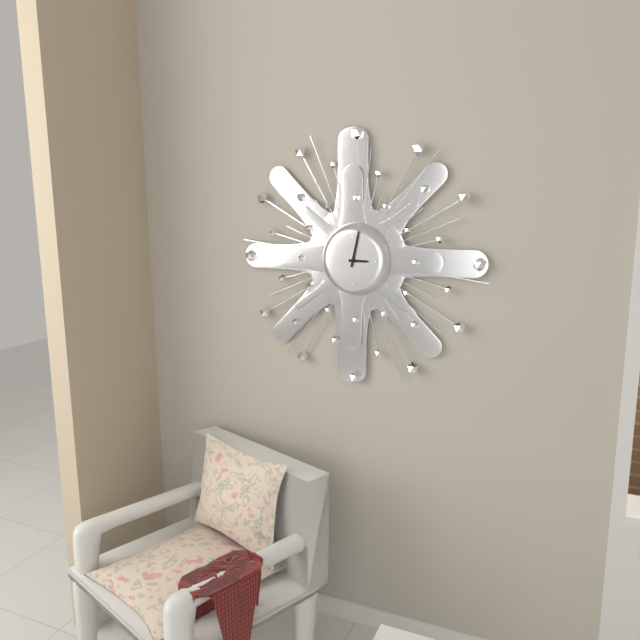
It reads 3:02
